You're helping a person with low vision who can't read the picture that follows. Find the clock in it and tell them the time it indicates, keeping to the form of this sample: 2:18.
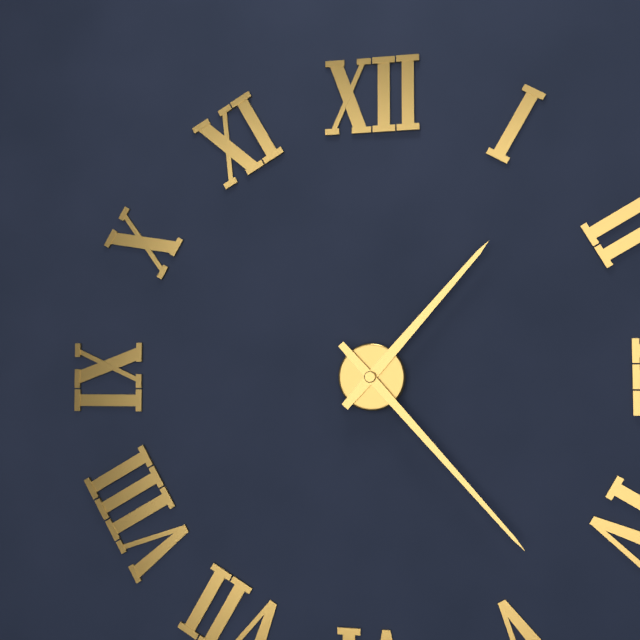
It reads 1:23
